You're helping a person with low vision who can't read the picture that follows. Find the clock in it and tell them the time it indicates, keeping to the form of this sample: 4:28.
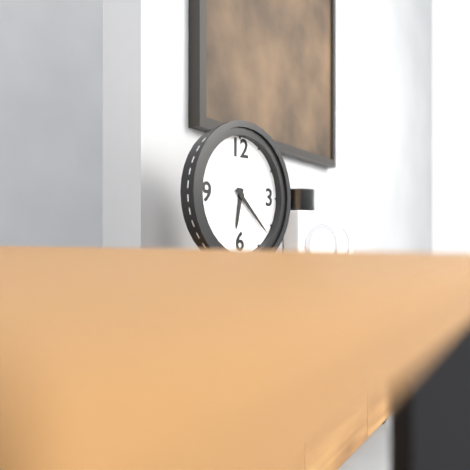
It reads 6:22
